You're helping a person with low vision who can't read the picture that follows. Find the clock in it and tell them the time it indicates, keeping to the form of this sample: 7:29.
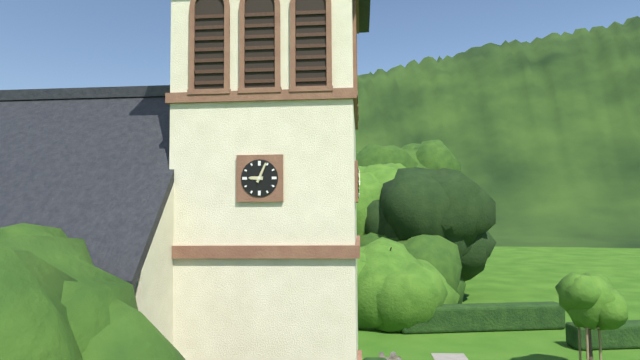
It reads 9:04
